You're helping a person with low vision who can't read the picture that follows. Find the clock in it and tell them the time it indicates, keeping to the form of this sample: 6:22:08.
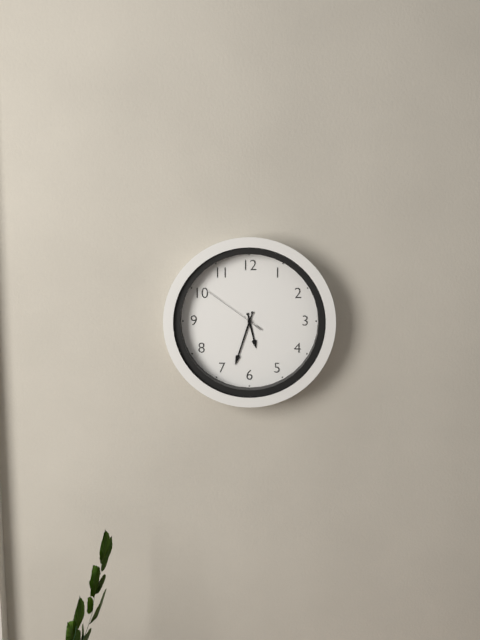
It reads 5:33:51
